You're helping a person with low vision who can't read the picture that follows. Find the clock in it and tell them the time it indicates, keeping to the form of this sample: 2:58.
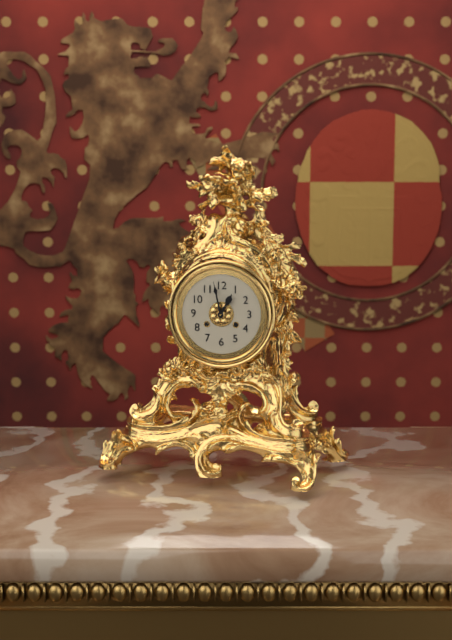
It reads 12:58
